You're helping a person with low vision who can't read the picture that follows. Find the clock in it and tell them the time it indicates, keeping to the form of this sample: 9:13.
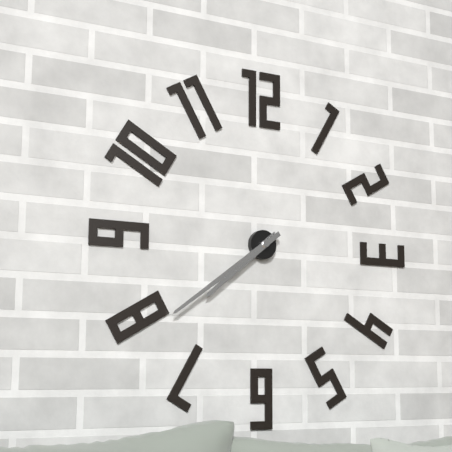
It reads 7:39
